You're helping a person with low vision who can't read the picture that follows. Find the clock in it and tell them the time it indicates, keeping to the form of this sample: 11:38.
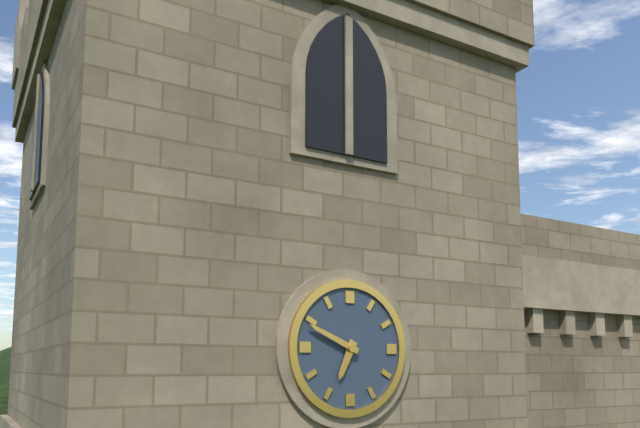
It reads 6:49
